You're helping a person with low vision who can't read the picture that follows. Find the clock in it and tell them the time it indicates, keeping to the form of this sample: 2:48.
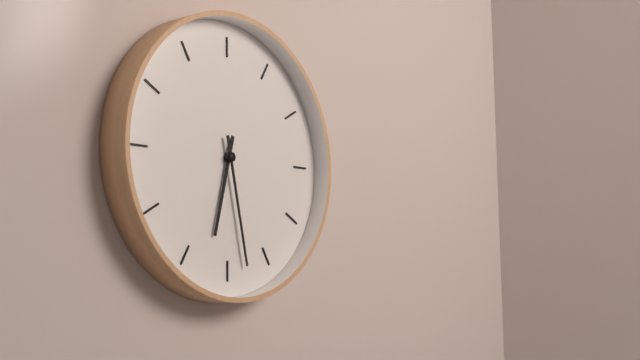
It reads 6:28
